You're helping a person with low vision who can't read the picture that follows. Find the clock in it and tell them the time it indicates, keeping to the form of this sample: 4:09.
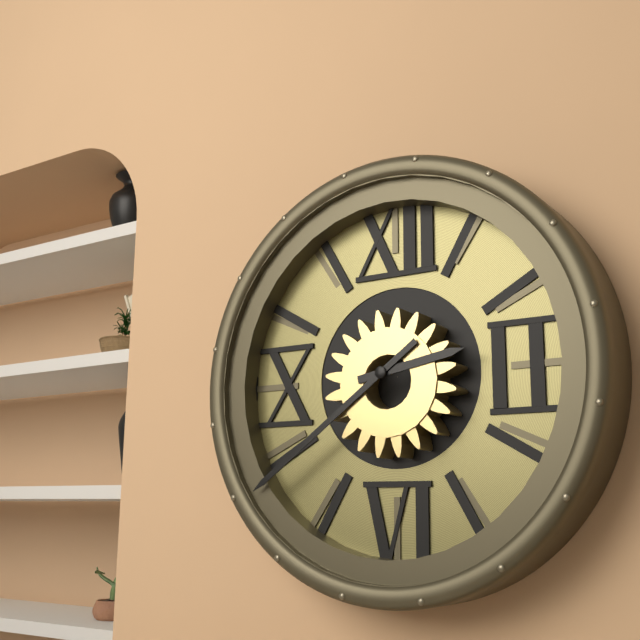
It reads 2:39
